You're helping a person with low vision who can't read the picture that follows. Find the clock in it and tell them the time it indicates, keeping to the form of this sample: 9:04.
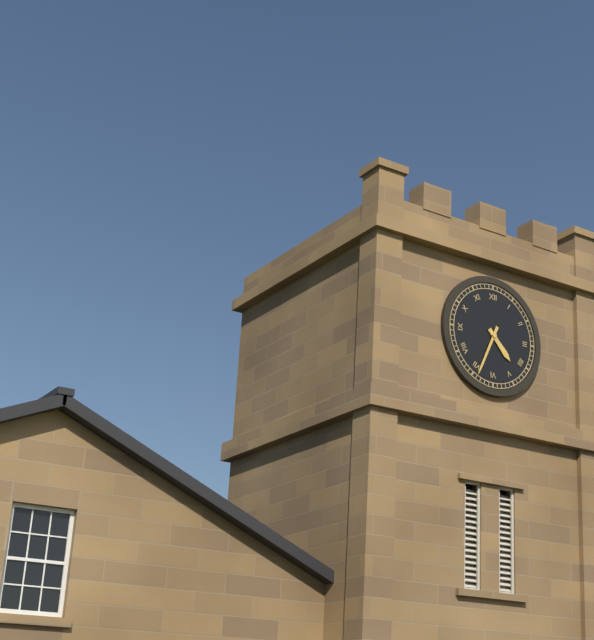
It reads 4:34
